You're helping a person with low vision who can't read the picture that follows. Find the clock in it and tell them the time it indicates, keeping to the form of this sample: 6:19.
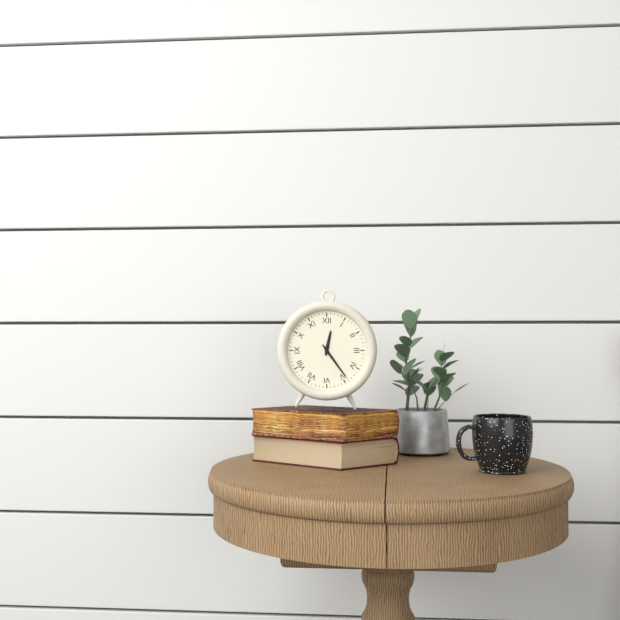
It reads 12:24
